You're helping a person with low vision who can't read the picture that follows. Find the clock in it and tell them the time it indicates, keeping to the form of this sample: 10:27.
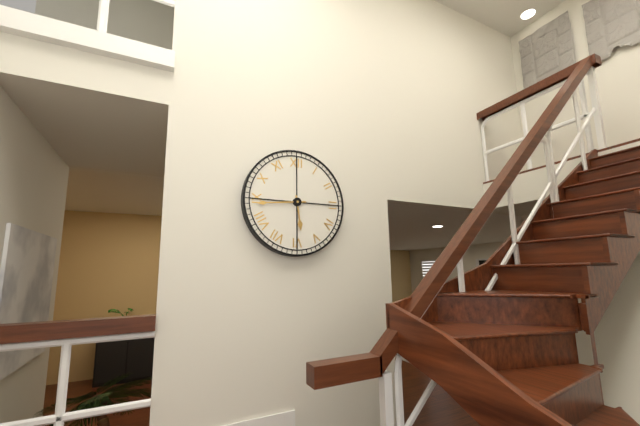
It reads 5:44
